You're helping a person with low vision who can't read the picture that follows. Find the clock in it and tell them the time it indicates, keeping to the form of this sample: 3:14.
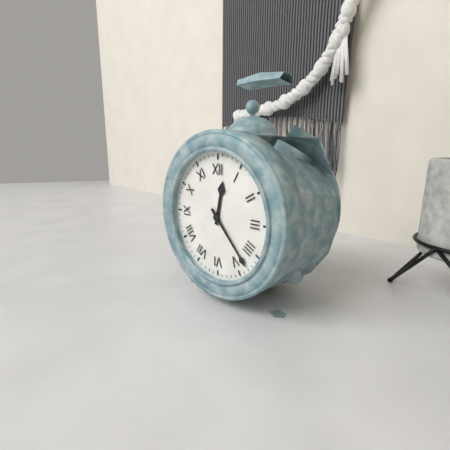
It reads 12:23
